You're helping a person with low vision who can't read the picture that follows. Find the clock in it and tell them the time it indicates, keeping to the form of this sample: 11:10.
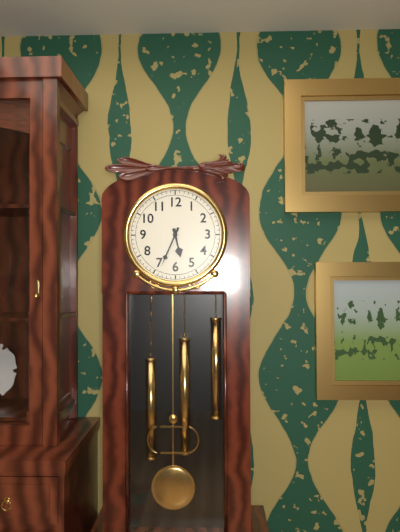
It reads 5:34
